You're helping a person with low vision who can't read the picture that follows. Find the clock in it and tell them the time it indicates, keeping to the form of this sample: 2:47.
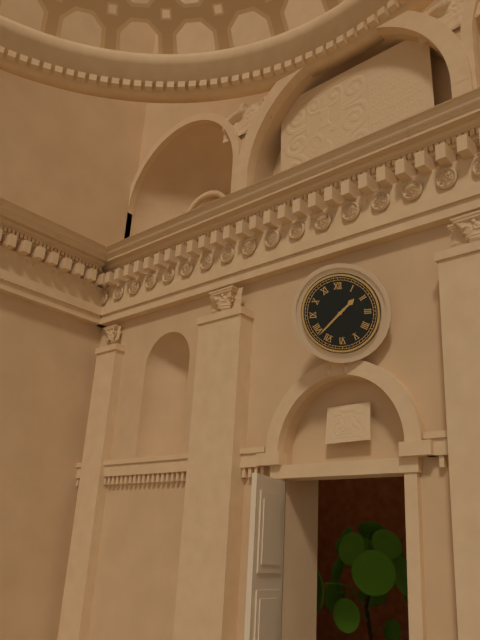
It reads 1:38
